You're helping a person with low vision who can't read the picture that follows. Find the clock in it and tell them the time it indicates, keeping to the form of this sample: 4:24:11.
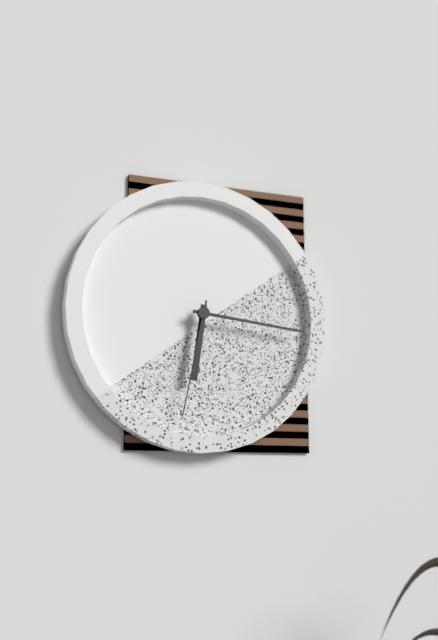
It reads 6:16:32
